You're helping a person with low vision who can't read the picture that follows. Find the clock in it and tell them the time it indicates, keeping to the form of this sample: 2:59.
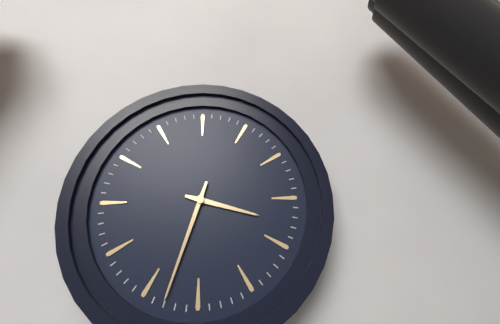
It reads 3:33
